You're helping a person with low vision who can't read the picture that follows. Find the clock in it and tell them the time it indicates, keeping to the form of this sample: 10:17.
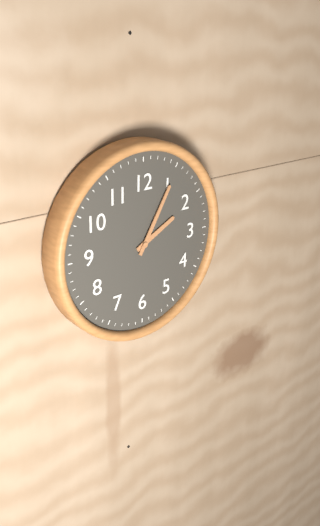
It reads 2:05
